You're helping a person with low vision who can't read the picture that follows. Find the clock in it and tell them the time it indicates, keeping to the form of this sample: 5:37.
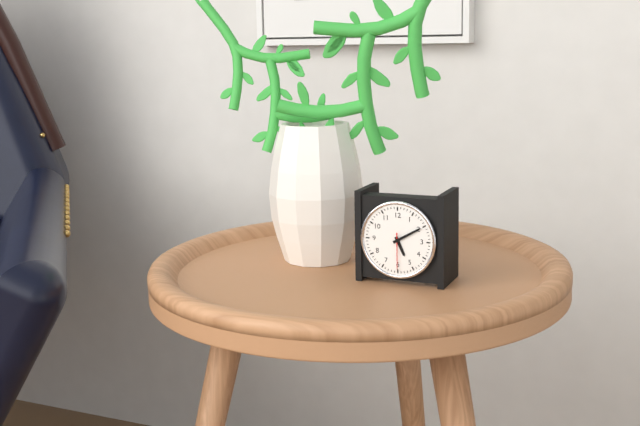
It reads 5:10
